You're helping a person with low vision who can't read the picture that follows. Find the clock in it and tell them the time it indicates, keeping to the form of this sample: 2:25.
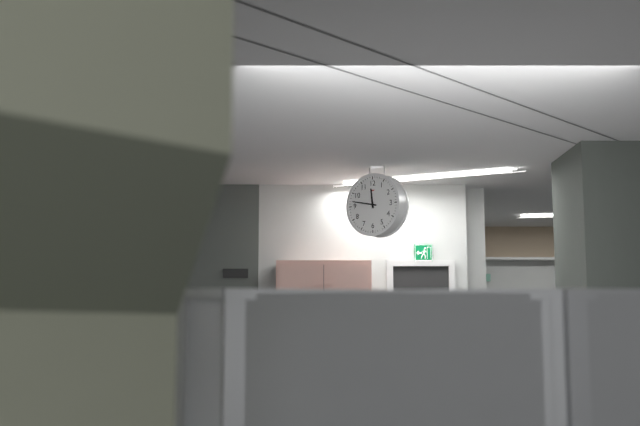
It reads 11:47
